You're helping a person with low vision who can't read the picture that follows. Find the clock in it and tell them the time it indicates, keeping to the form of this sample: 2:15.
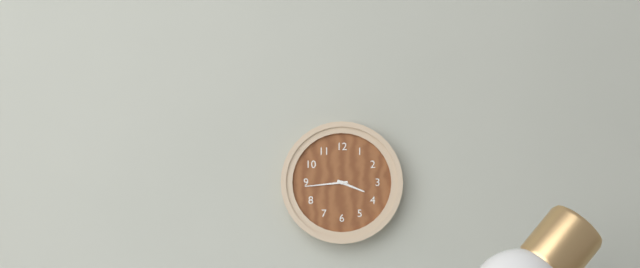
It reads 3:44
